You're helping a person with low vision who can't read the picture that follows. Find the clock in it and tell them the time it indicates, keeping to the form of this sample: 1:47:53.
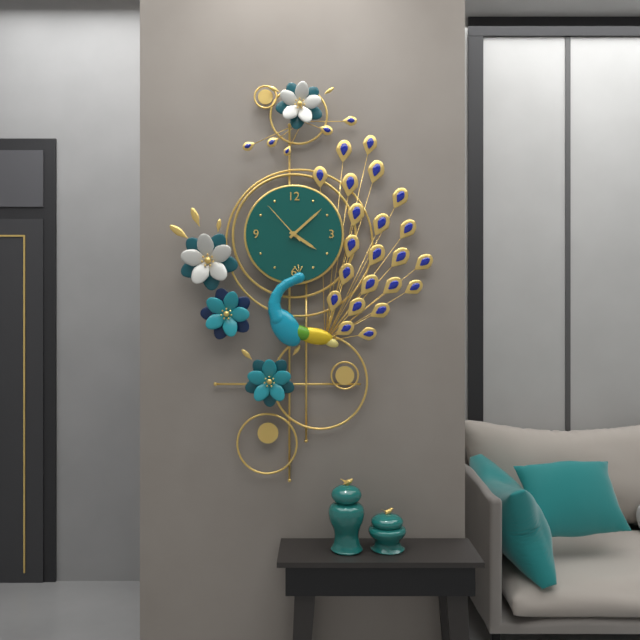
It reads 4:08:53
